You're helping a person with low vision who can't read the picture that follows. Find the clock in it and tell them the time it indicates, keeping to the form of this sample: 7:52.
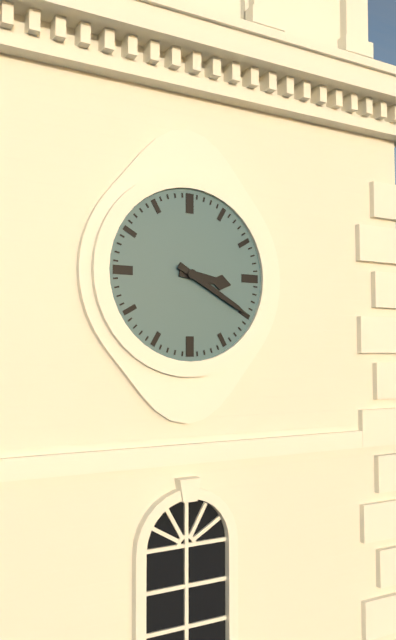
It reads 3:20
